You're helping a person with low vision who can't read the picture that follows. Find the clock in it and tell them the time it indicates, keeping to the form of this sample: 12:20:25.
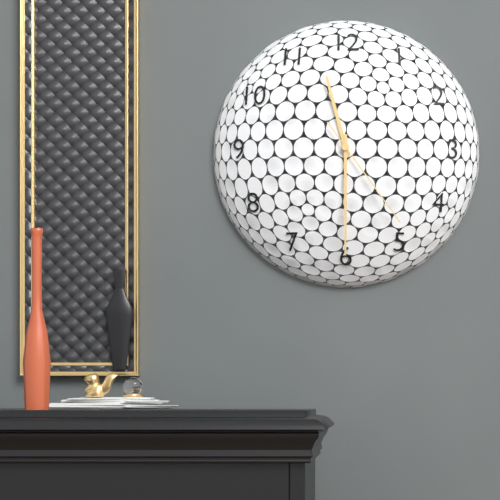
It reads 11:30:24
